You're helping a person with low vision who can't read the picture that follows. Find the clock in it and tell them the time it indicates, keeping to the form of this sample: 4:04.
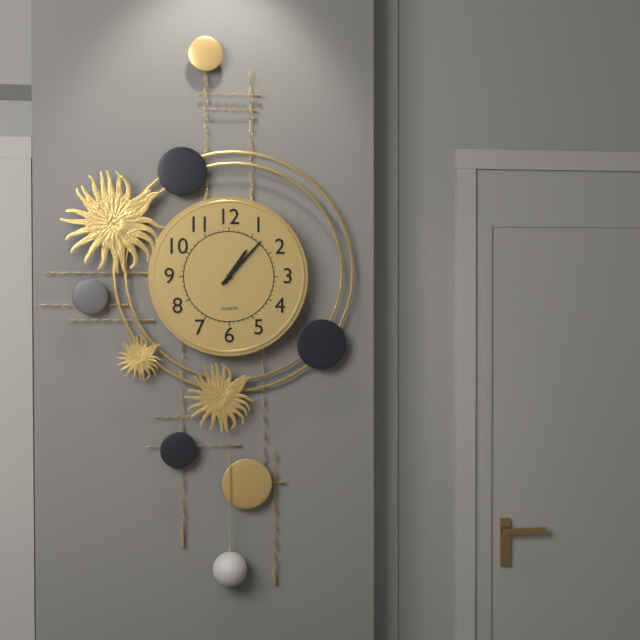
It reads 1:07
